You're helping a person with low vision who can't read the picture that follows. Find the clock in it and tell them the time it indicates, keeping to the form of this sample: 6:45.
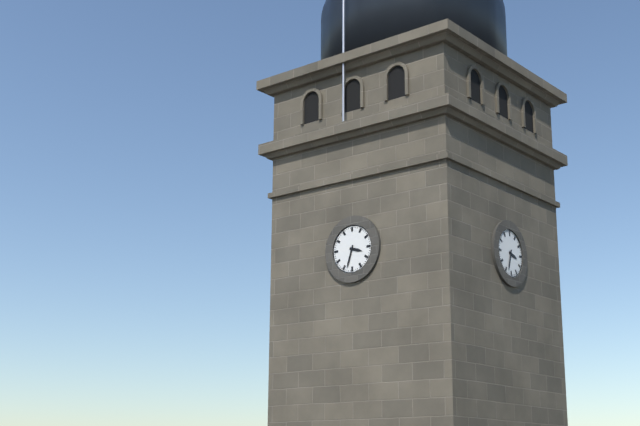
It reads 3:33
